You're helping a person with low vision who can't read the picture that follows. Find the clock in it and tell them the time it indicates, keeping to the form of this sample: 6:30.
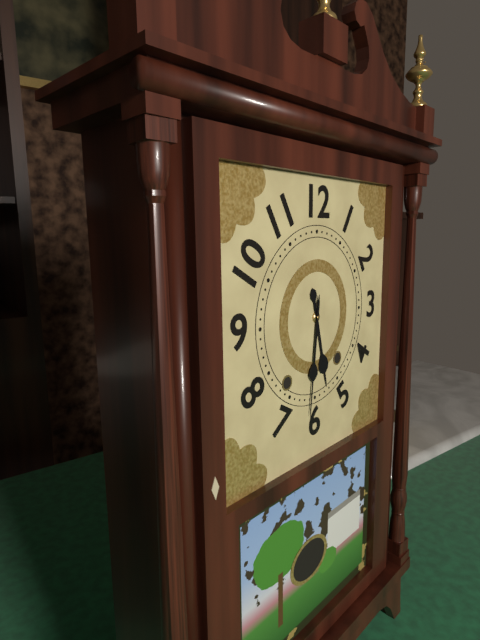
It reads 5:31
